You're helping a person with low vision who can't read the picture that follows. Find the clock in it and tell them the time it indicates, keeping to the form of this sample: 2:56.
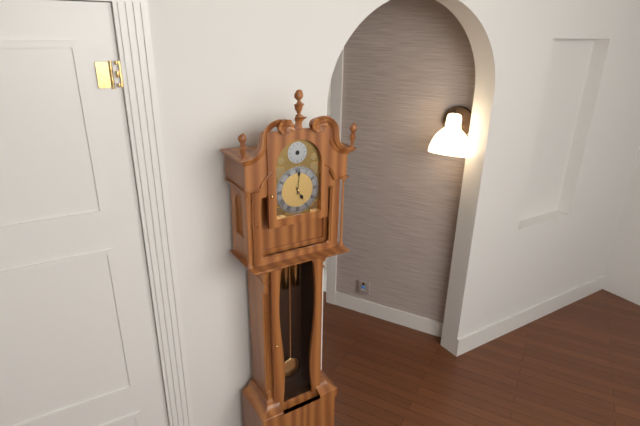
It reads 5:01
